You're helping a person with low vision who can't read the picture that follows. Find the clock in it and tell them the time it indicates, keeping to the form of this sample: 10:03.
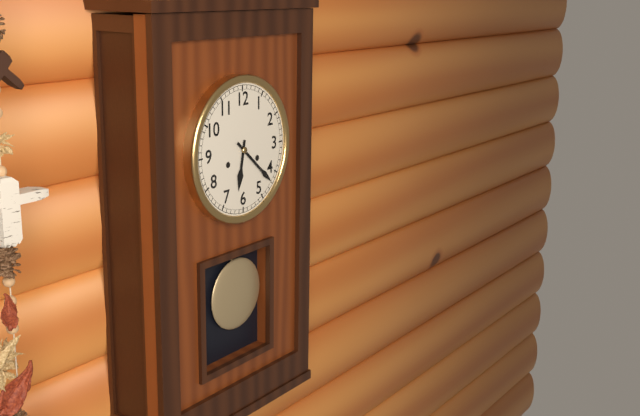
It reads 6:22
